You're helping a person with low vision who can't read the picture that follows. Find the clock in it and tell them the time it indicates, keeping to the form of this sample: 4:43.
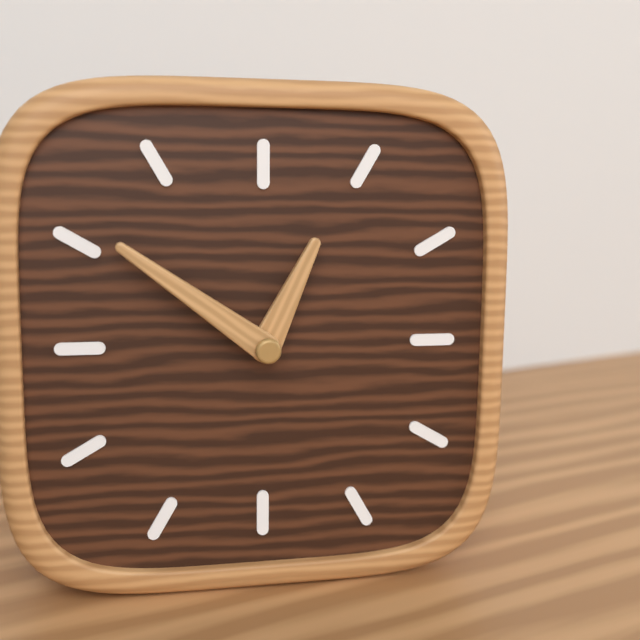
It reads 12:51
